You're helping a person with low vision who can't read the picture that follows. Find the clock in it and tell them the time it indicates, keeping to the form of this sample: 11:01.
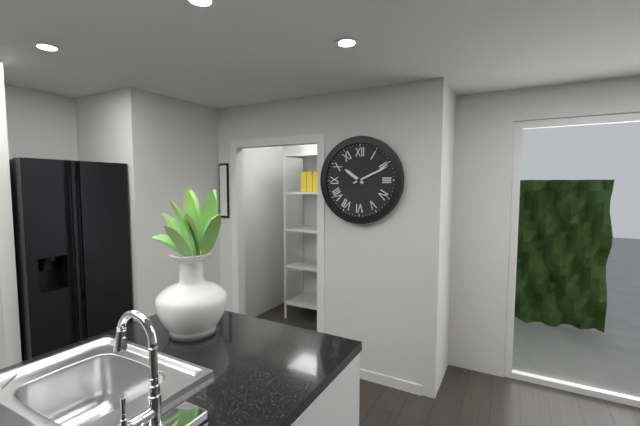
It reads 10:11
